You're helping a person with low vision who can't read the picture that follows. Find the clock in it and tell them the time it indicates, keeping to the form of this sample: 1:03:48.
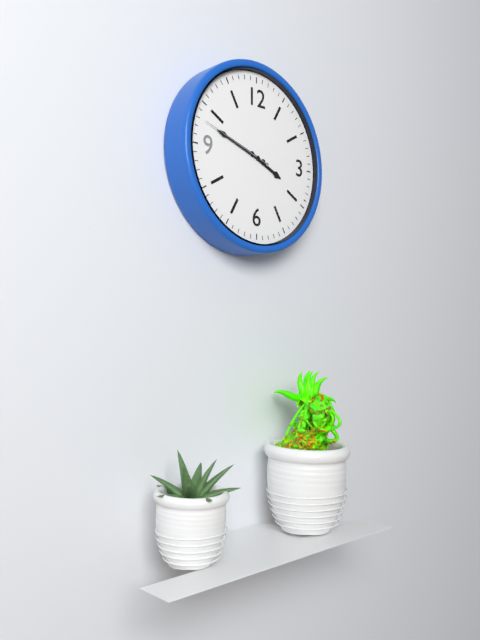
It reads 3:48:48
